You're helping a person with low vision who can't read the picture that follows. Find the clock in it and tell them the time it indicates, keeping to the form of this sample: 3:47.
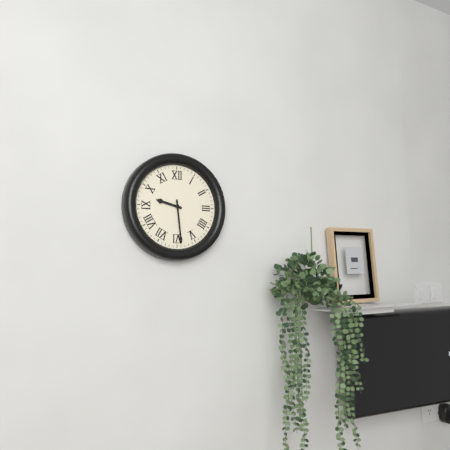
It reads 9:29
